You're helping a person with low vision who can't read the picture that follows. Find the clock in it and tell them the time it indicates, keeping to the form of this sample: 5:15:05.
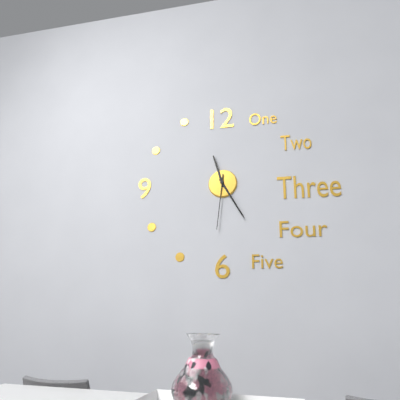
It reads 11:25:31
